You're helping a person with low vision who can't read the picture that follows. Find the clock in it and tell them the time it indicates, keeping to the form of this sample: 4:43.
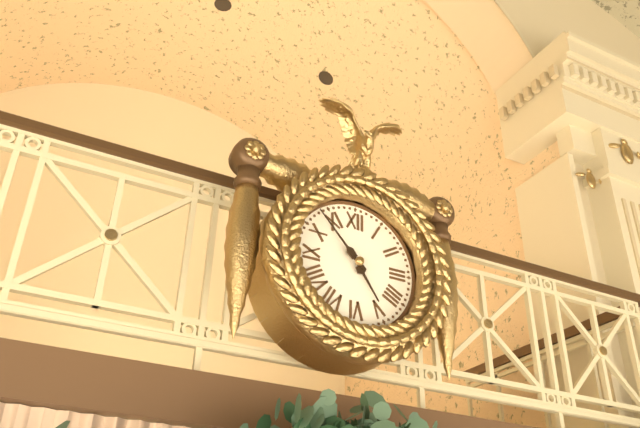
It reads 4:53
